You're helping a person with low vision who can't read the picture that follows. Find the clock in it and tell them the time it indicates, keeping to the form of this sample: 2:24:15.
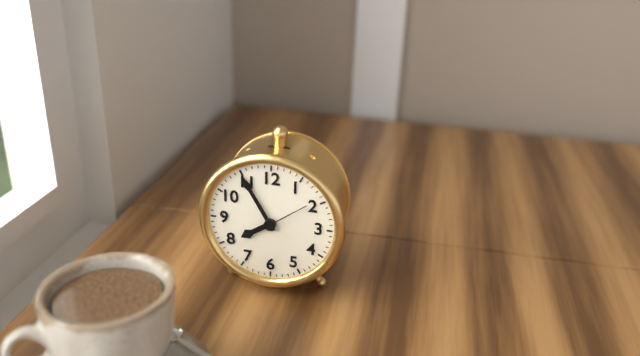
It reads 7:55:09
